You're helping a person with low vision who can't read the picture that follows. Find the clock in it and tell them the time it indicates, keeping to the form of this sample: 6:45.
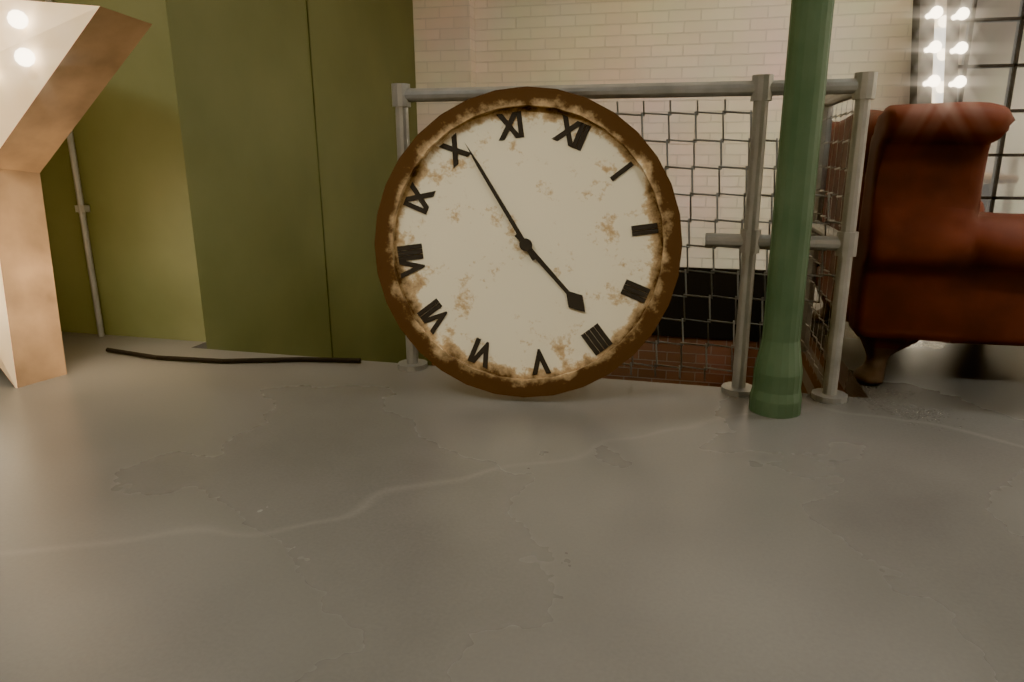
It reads 3:51
